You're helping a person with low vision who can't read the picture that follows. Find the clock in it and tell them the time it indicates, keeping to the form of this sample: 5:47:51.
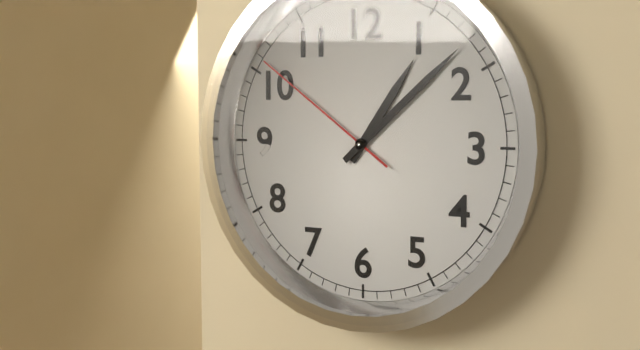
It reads 1:08:51
